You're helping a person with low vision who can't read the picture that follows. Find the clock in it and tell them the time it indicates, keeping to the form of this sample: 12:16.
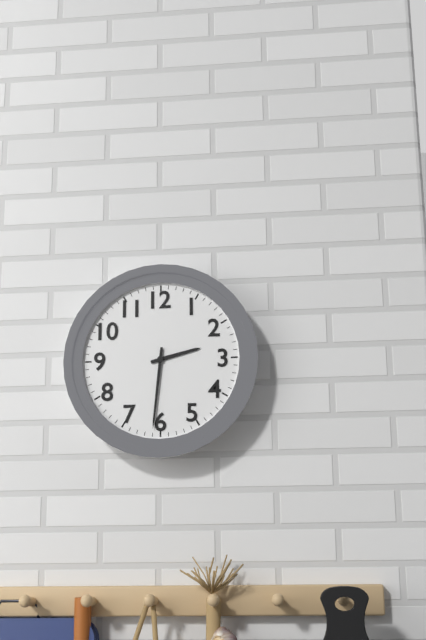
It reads 2:31
